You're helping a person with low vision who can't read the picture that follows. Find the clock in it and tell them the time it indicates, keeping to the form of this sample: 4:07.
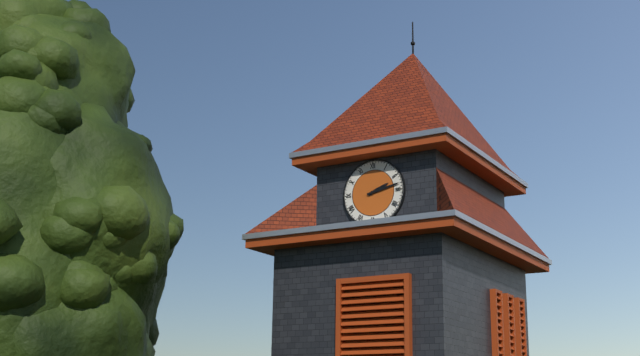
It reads 2:13
